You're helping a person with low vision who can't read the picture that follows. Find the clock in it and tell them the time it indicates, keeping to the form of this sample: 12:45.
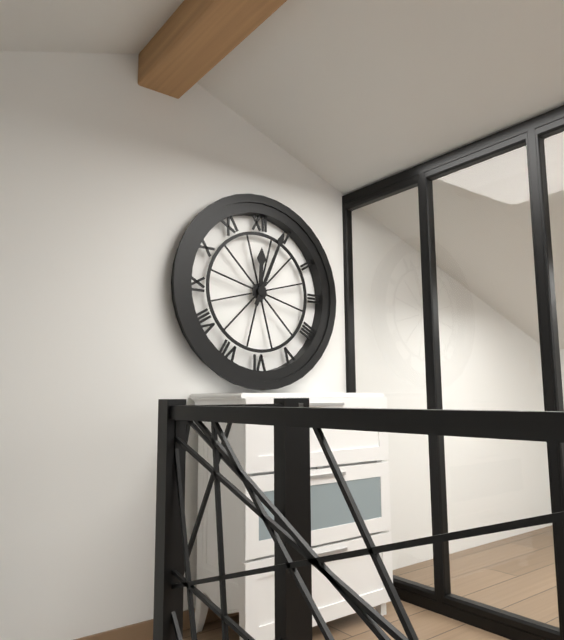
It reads 12:04
